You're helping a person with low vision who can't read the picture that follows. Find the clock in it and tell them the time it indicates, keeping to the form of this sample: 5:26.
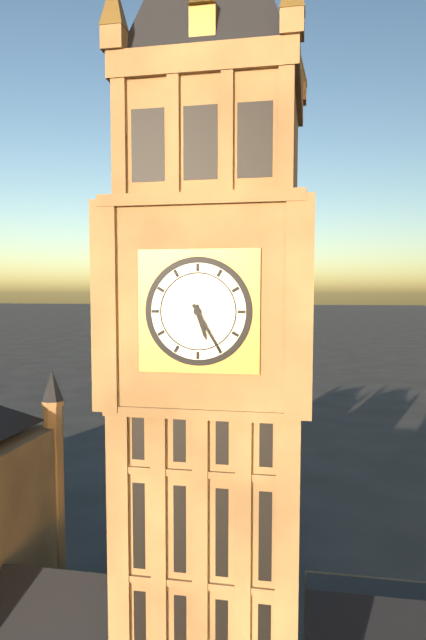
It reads 5:25
